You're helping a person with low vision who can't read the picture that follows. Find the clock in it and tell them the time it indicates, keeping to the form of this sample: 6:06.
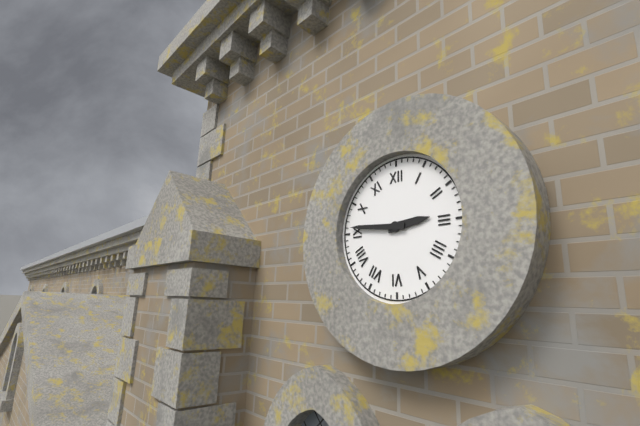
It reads 2:46
